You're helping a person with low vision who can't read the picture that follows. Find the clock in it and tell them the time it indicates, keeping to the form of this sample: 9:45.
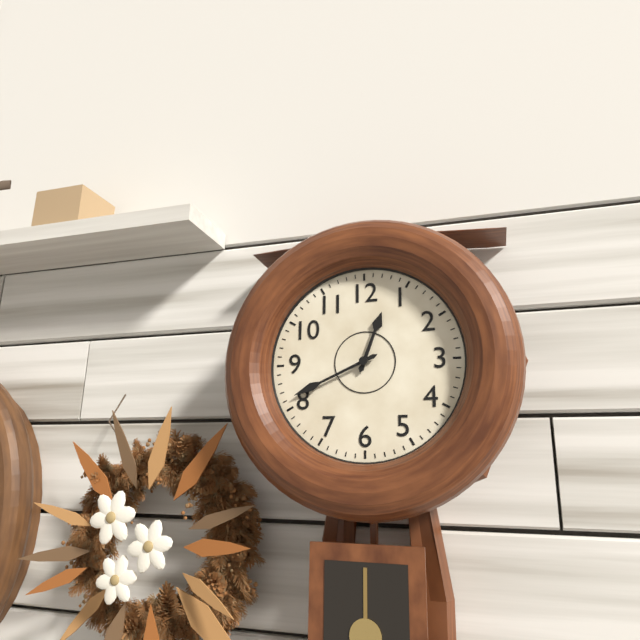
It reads 12:41
